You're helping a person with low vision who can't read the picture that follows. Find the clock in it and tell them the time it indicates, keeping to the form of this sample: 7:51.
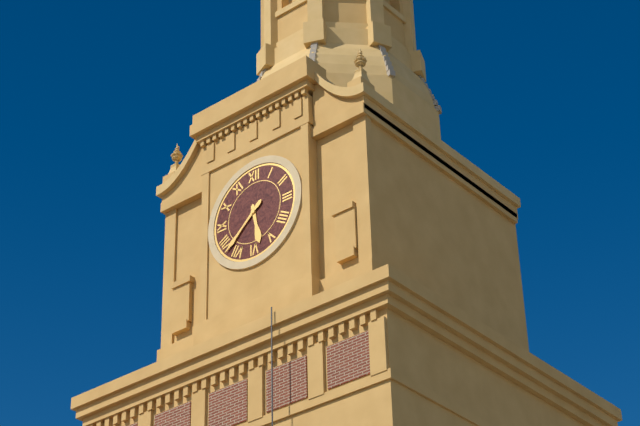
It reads 5:38
